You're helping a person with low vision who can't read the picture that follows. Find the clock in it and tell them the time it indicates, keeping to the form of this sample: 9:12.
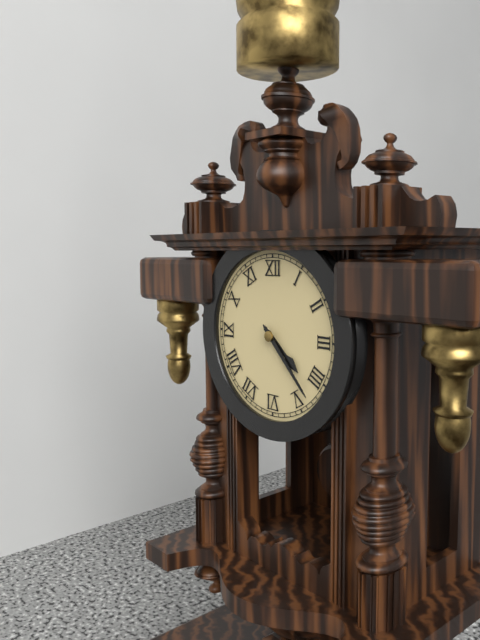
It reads 4:23
